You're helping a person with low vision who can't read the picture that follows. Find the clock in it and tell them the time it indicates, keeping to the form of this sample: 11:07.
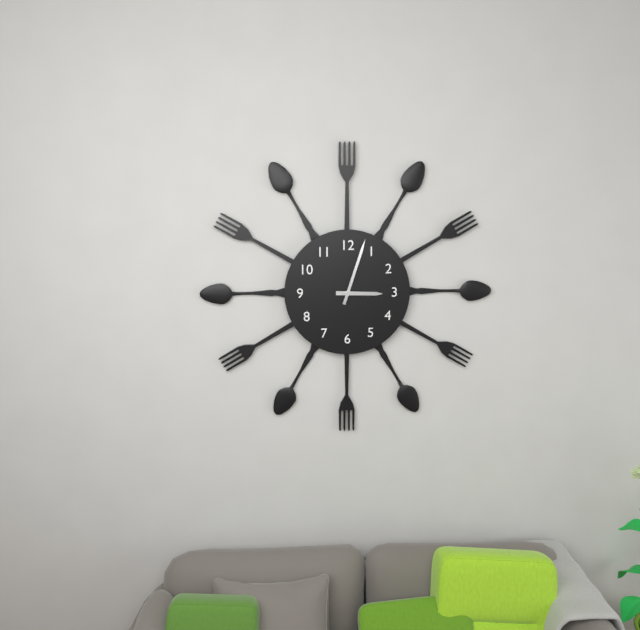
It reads 3:03
